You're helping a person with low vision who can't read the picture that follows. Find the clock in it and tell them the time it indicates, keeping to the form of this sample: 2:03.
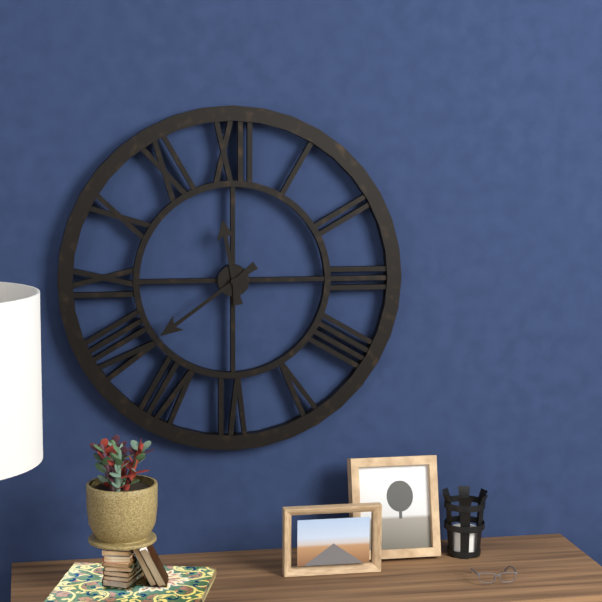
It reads 11:39
